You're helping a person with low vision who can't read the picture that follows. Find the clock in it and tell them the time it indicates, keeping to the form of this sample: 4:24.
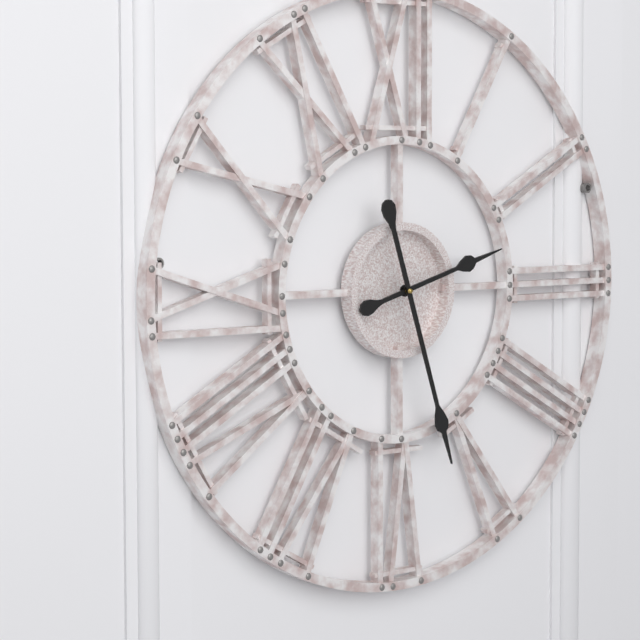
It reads 2:27
